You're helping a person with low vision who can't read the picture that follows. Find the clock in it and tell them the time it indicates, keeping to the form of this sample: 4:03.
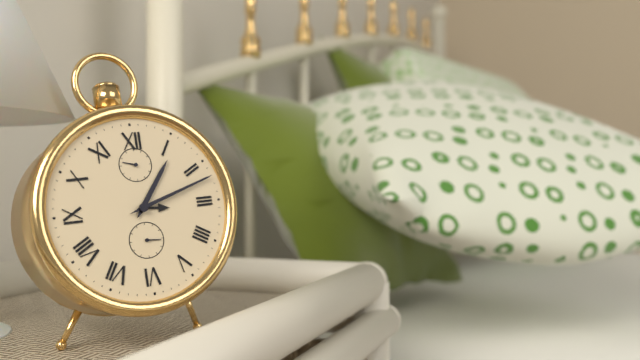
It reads 1:12
